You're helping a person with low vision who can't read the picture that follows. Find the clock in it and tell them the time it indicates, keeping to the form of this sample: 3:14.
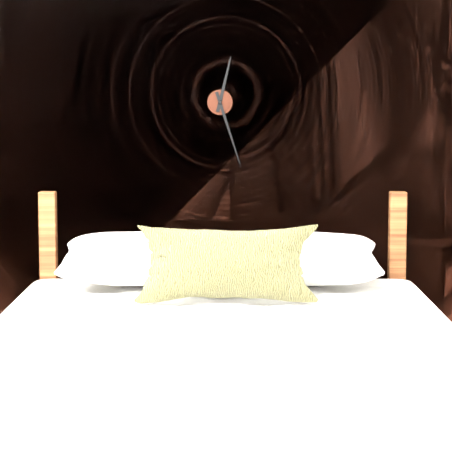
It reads 12:27
